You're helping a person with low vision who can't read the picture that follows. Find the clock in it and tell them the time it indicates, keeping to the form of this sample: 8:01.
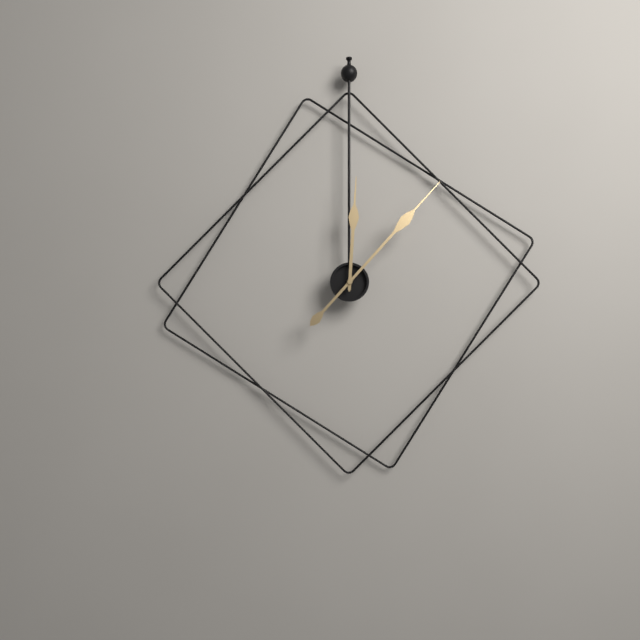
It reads 12:07
